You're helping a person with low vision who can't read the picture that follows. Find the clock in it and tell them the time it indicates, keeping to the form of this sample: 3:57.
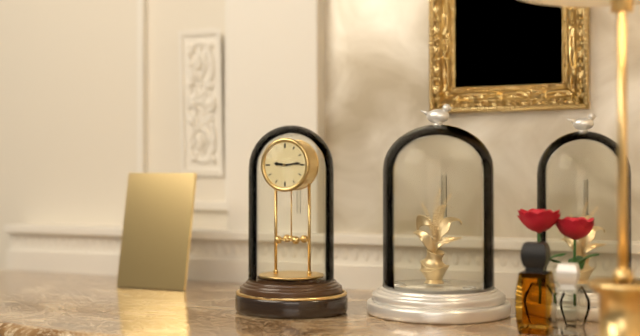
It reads 9:14
